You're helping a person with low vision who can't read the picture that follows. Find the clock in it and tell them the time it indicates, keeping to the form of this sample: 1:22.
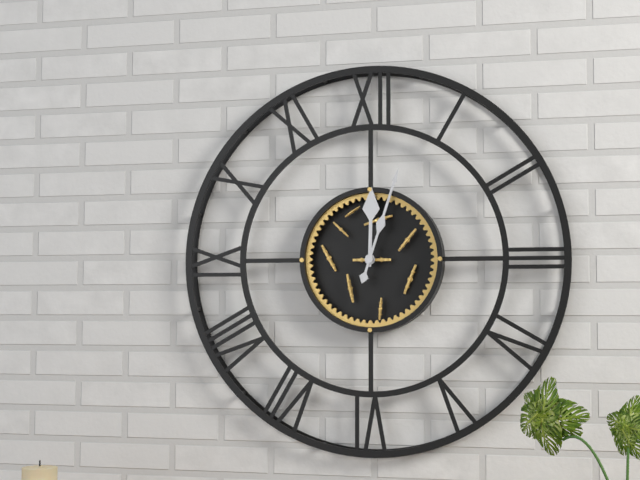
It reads 12:03
